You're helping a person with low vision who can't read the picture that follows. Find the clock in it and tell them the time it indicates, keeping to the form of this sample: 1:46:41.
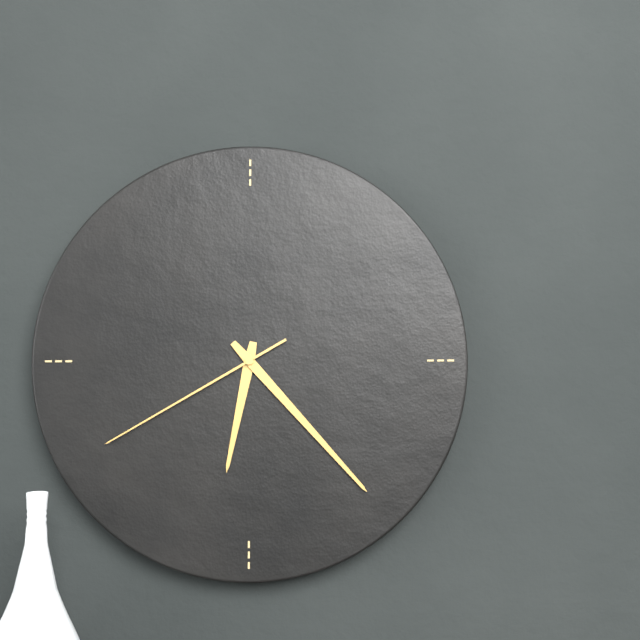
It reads 6:23:40
